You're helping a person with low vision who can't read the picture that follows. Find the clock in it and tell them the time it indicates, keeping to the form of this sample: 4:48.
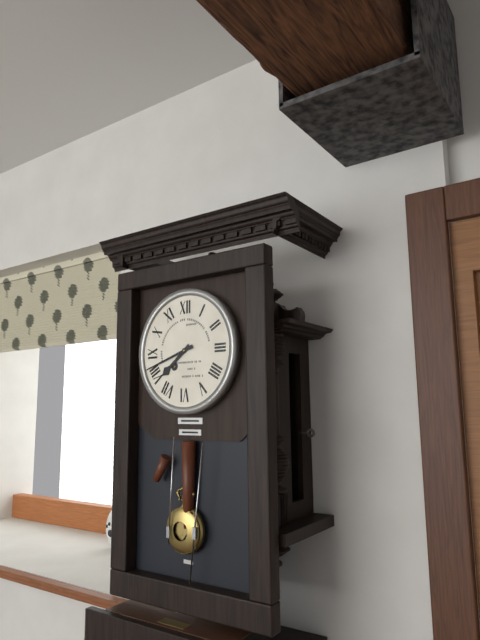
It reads 7:42
